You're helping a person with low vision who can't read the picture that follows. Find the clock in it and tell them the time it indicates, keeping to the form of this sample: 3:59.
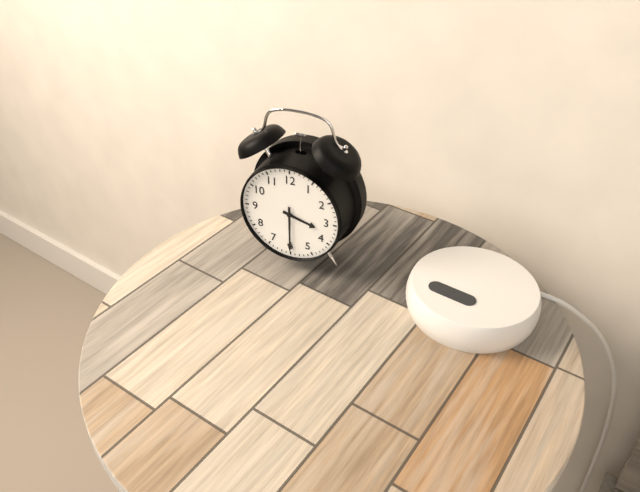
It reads 3:30
